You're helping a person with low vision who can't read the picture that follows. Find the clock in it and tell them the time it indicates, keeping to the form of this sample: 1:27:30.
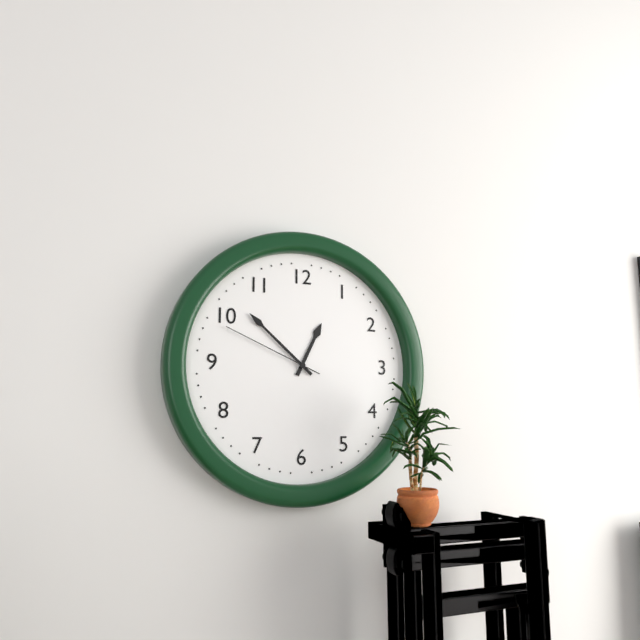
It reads 12:52:49
